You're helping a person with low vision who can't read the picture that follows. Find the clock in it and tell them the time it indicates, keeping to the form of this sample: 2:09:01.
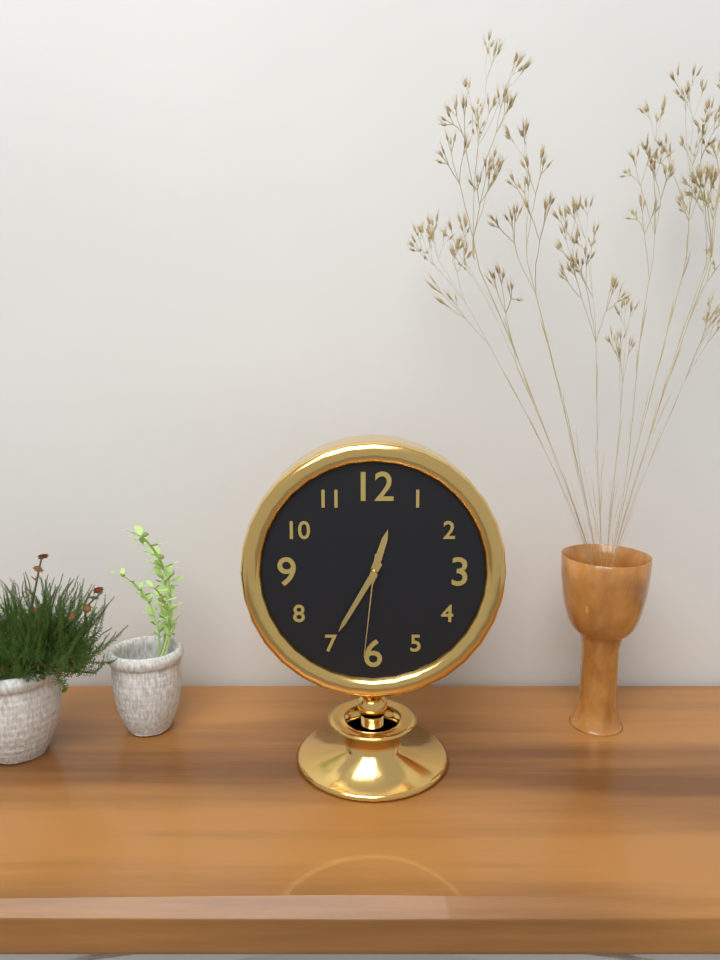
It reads 12:35:31
